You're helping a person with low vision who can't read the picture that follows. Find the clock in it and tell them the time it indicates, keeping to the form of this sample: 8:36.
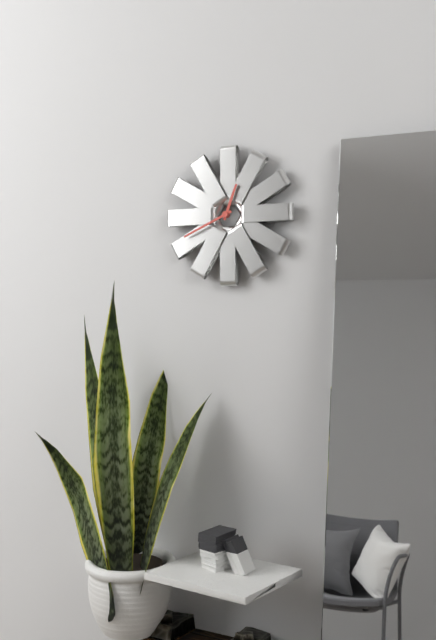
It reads 12:41
